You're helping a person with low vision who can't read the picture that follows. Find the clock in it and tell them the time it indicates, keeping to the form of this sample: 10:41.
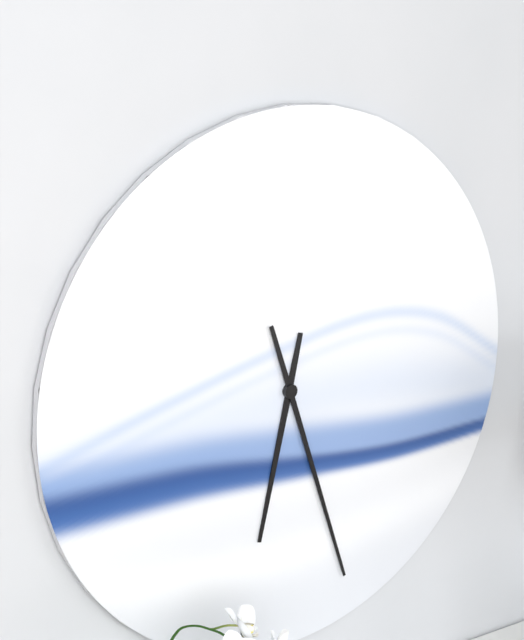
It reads 6:27
